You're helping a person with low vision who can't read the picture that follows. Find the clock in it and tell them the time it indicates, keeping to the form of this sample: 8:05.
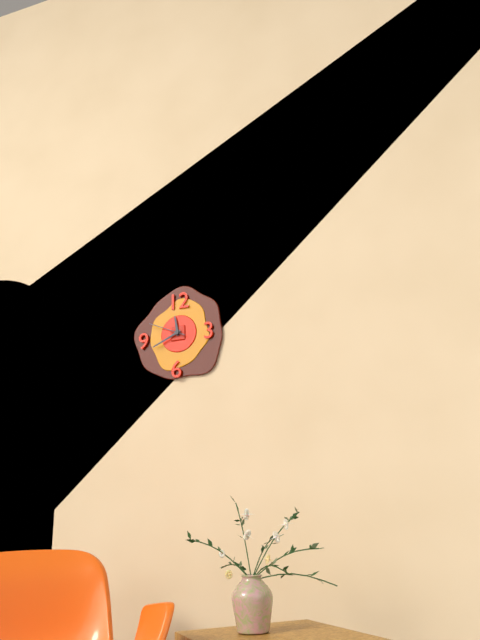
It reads 11:41
